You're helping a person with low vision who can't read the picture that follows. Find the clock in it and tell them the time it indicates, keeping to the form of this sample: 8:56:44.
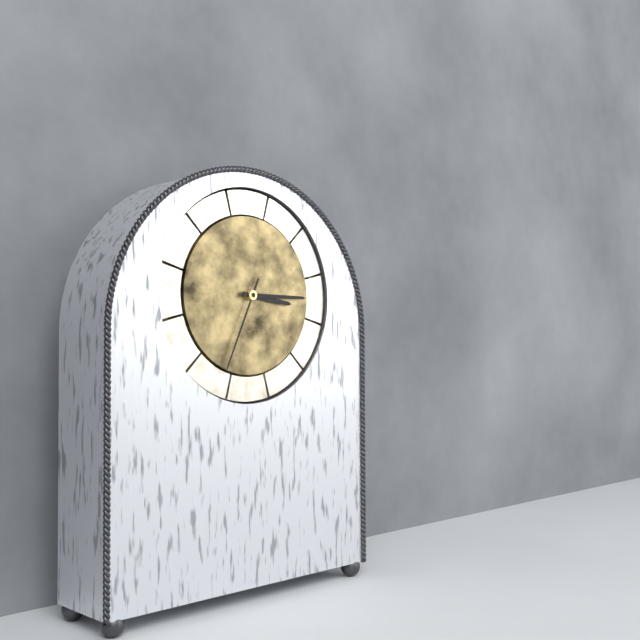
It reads 3:15:34
